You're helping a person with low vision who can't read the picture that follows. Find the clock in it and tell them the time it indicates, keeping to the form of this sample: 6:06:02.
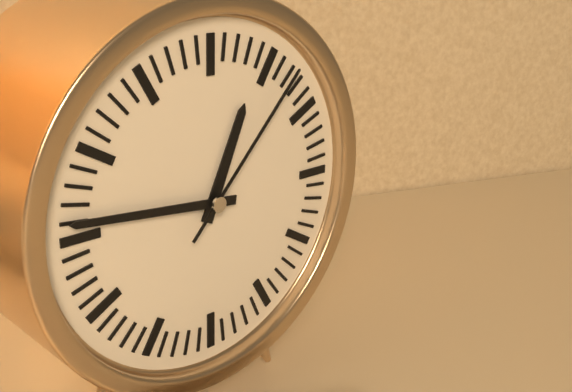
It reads 12:46:07
